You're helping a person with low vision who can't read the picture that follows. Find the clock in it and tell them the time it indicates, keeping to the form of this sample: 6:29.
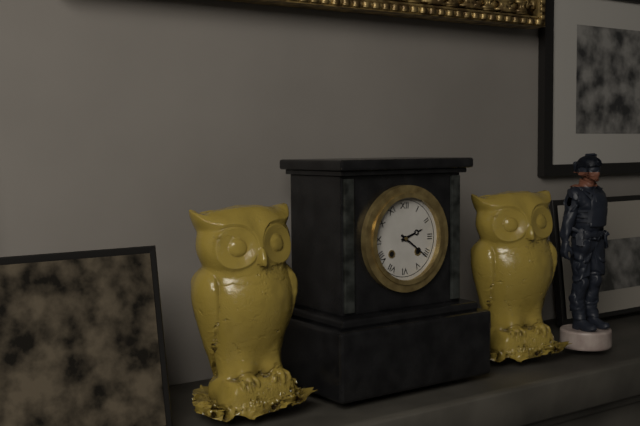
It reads 2:21
